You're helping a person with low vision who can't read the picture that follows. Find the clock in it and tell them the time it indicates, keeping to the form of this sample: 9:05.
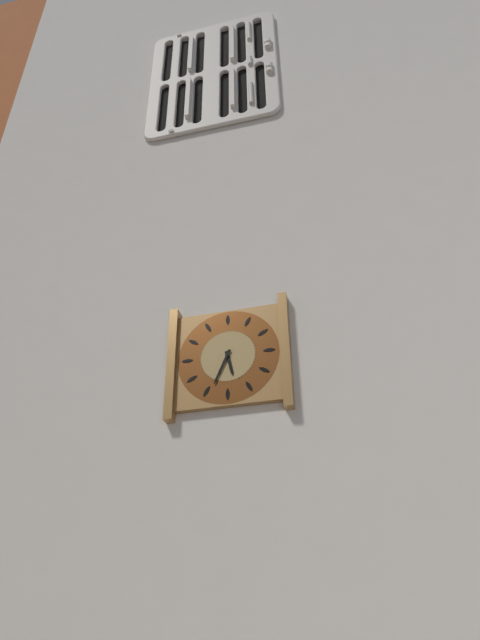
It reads 5:34
